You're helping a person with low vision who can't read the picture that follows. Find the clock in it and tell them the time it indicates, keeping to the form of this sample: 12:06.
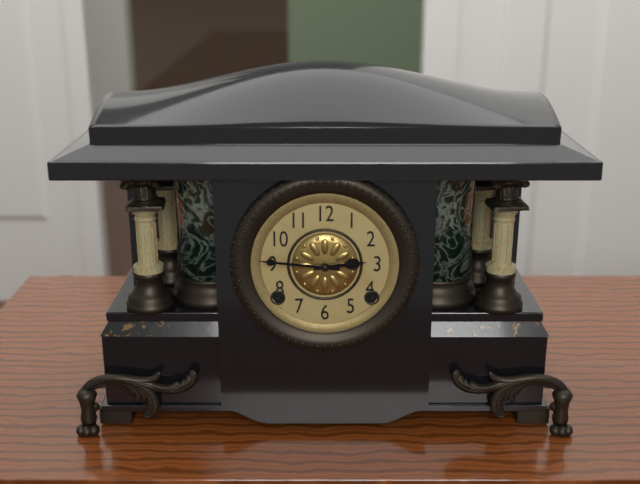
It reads 2:46
